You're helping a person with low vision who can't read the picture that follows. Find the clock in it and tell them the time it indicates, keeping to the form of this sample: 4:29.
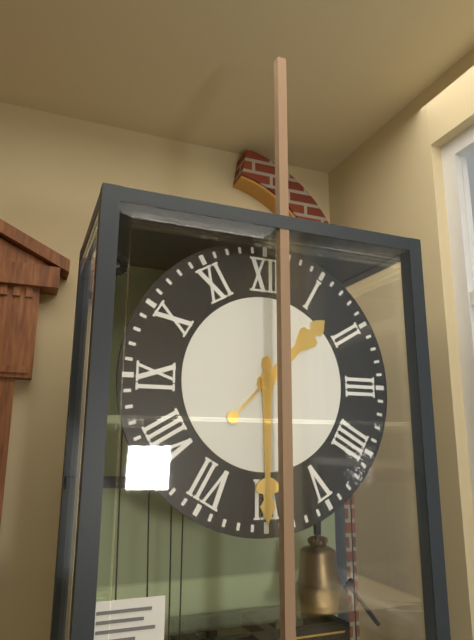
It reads 1:30
